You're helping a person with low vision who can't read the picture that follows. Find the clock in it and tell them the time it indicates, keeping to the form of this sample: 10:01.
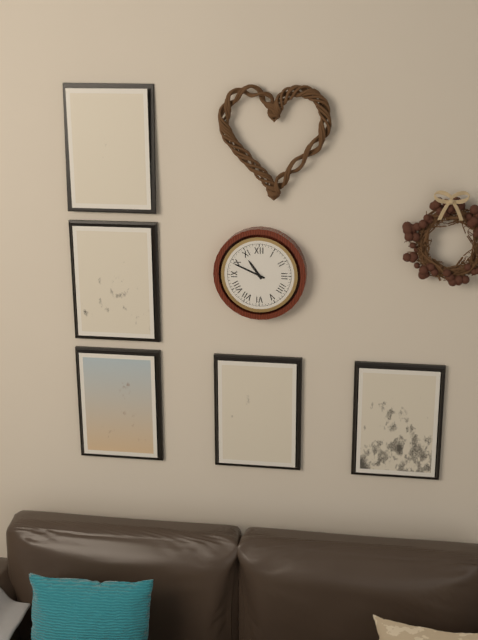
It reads 10:49
